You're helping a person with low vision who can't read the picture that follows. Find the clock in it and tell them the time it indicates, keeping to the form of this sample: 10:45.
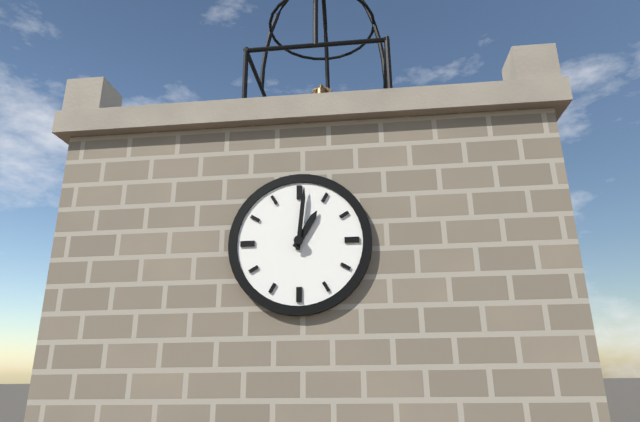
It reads 1:01
